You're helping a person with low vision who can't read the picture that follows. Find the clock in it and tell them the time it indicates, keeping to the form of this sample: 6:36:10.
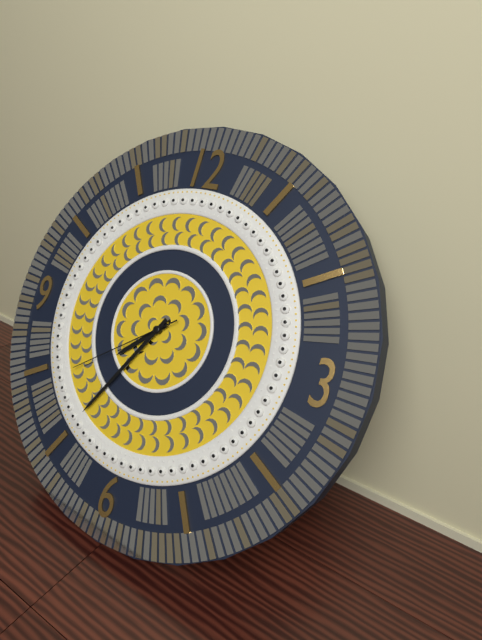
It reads 7:35:39
